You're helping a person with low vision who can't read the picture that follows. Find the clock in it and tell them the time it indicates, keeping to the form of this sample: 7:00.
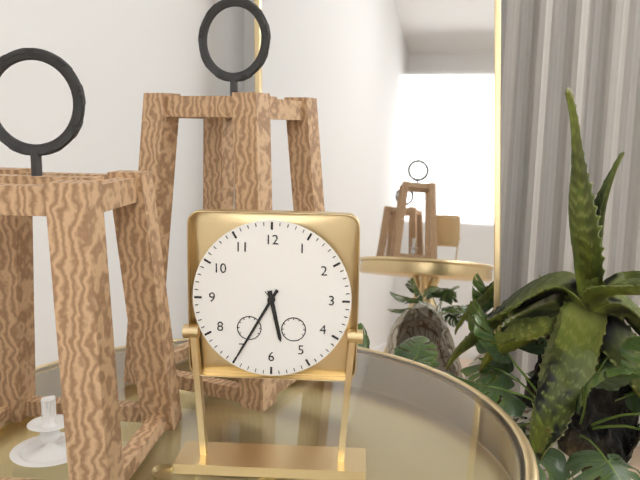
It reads 5:35
